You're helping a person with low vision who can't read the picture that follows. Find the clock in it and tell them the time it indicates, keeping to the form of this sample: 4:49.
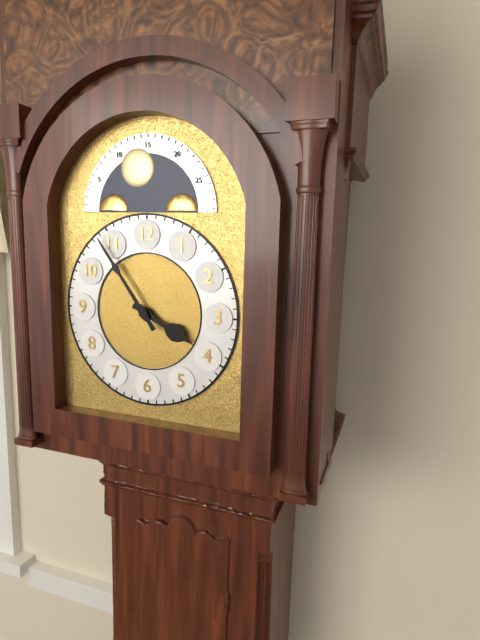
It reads 3:54
